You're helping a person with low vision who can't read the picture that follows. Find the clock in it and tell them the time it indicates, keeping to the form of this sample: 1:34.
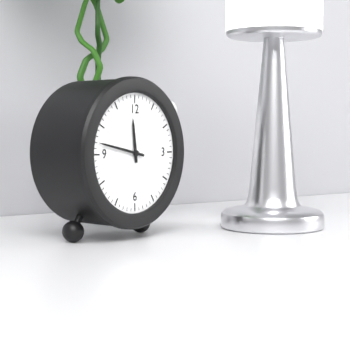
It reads 11:47
